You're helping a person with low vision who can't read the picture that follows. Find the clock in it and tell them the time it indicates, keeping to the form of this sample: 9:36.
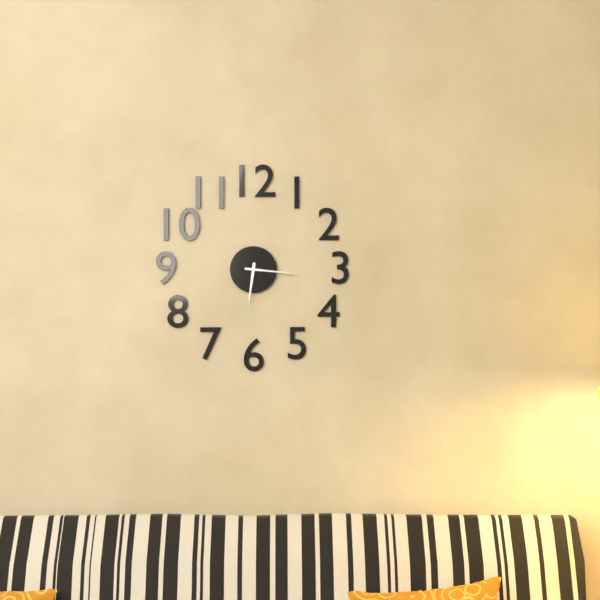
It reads 6:16
